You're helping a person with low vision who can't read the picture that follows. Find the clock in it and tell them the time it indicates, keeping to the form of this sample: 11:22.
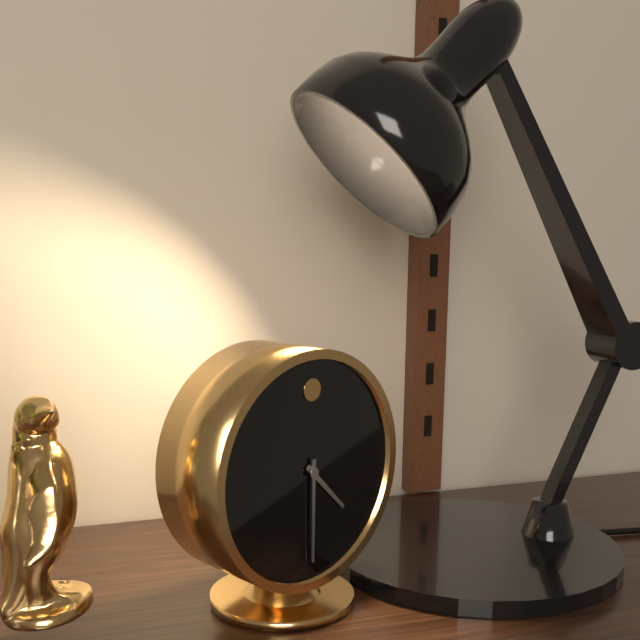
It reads 4:30
